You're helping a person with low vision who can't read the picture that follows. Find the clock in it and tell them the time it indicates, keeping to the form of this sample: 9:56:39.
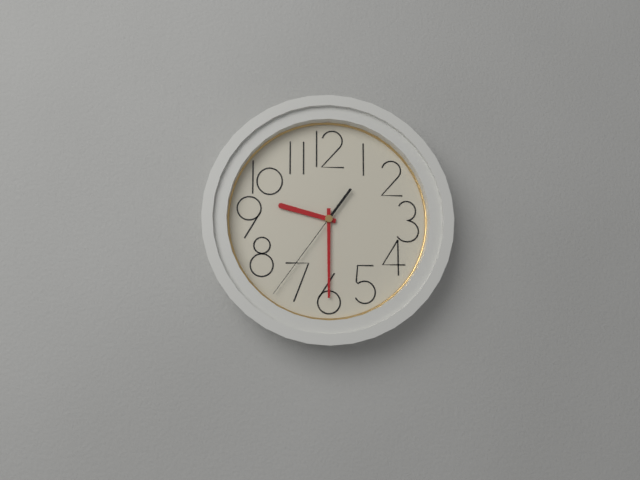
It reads 9:30:36
